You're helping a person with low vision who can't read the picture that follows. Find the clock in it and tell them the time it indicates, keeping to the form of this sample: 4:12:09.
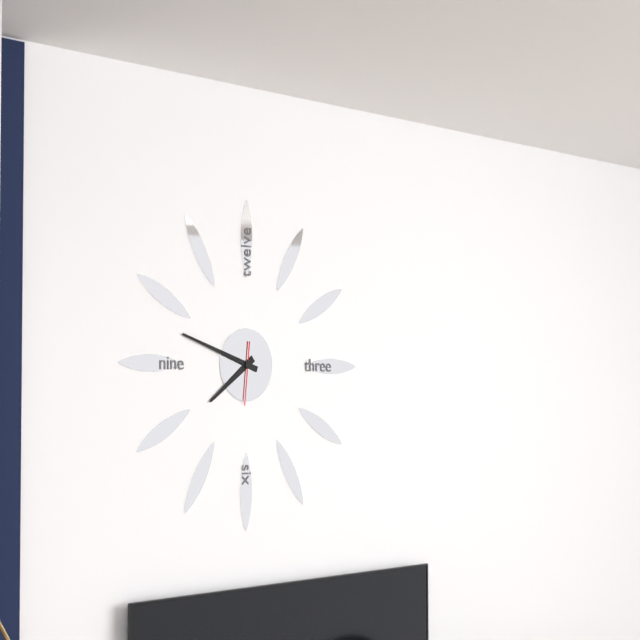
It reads 7:48:31
